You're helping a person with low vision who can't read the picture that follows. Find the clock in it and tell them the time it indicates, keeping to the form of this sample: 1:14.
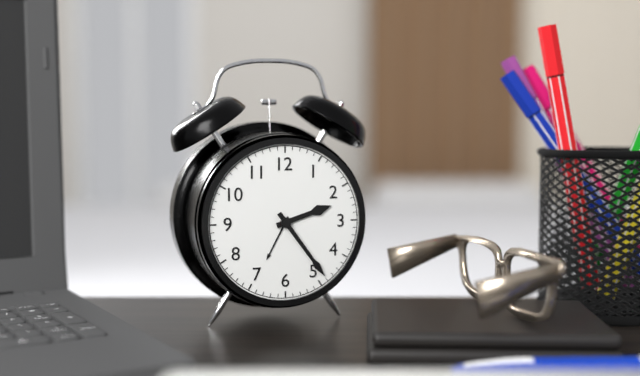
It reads 2:24
